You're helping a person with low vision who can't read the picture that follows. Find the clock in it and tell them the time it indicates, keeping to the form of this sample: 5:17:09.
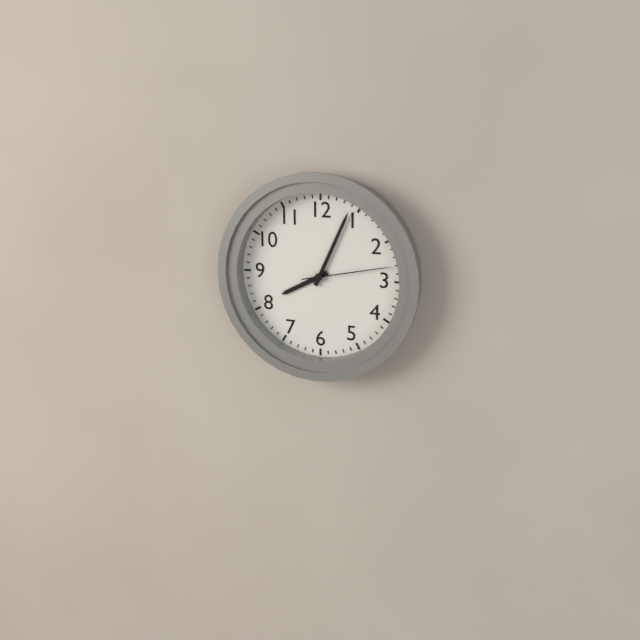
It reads 8:04:13
